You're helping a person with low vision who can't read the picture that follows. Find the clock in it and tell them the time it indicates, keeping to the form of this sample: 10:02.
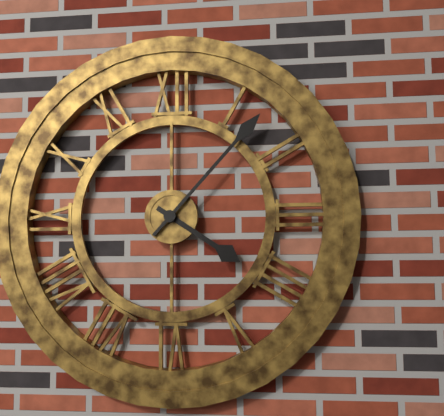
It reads 4:07
